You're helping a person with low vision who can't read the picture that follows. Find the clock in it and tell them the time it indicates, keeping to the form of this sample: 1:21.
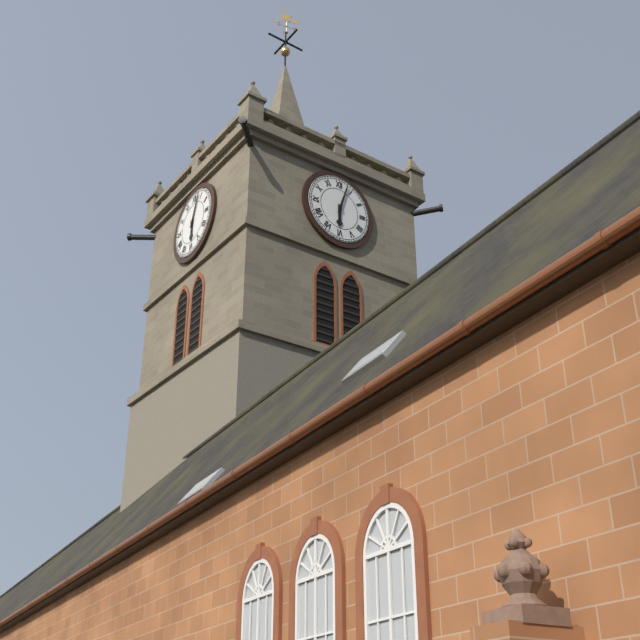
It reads 6:03
